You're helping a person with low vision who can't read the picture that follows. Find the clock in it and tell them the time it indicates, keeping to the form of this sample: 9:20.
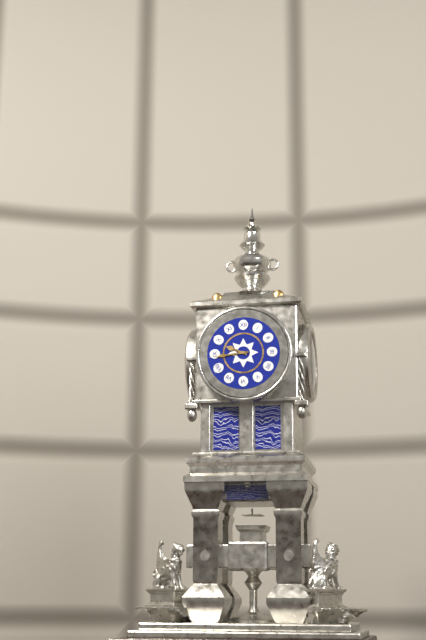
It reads 9:44
